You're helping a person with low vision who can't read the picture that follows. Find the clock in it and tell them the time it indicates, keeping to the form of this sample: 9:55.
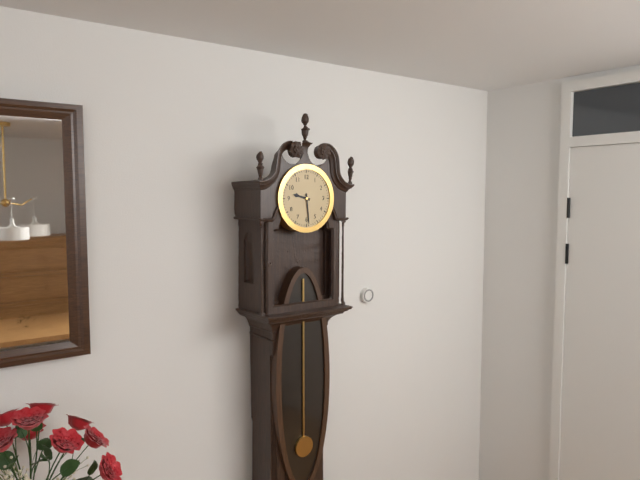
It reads 9:29
